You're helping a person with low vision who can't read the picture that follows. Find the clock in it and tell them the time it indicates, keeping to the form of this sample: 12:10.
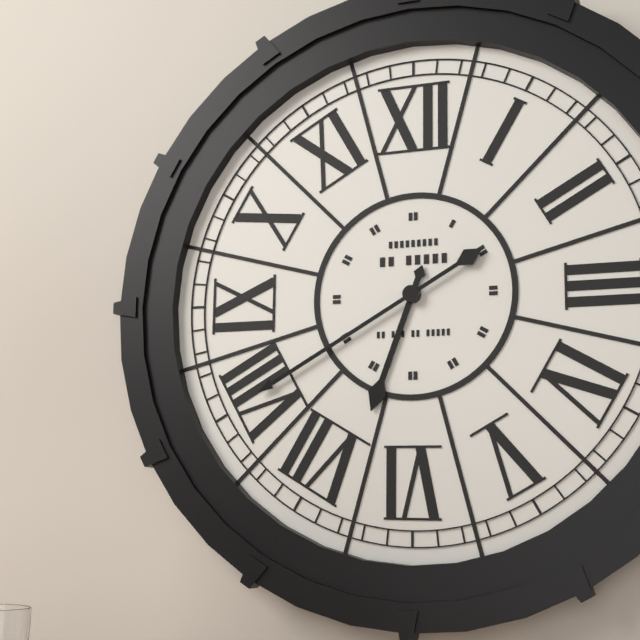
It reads 6:40
